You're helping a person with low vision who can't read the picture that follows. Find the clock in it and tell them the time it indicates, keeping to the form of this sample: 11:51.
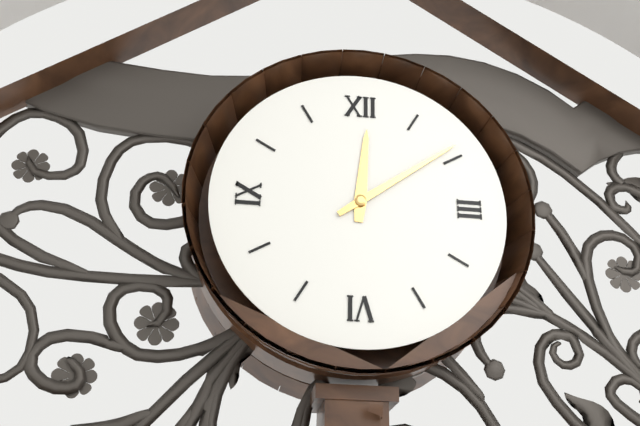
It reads 12:09
